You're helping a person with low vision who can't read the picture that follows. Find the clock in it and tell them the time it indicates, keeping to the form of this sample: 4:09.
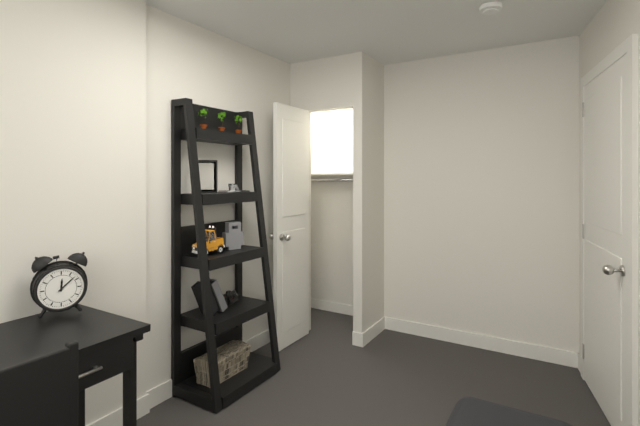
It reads 12:08
